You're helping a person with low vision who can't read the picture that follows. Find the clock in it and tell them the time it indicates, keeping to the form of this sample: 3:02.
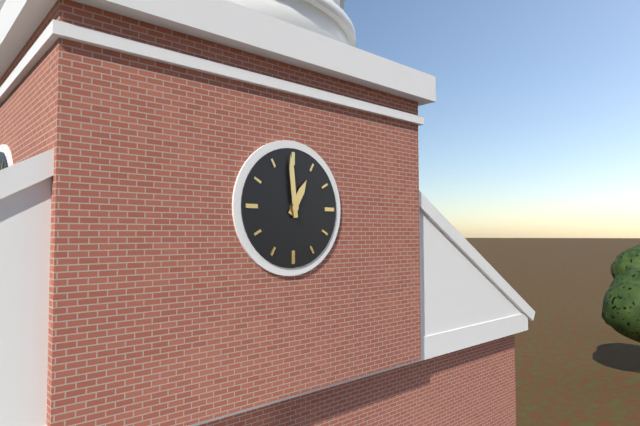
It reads 12:59
